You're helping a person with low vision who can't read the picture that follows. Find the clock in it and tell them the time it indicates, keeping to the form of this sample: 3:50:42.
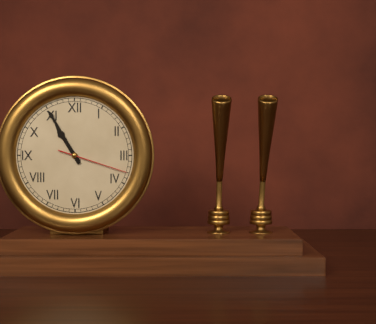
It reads 10:55:18
